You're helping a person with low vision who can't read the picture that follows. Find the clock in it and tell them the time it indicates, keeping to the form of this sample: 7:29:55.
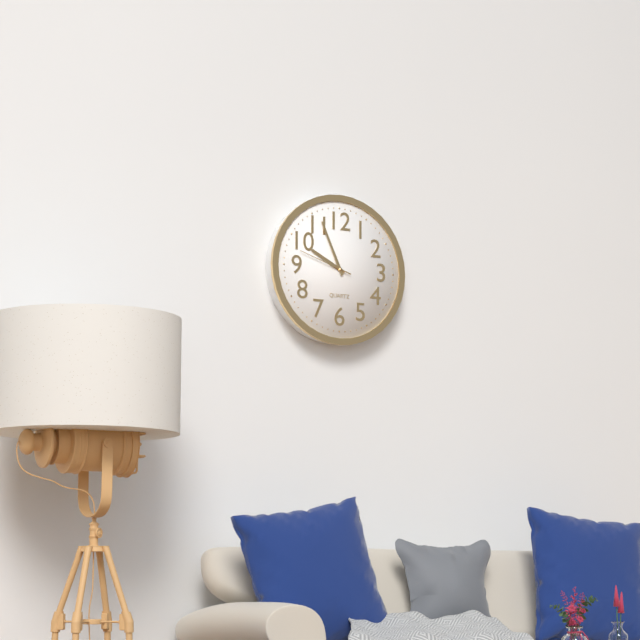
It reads 9:56:48
